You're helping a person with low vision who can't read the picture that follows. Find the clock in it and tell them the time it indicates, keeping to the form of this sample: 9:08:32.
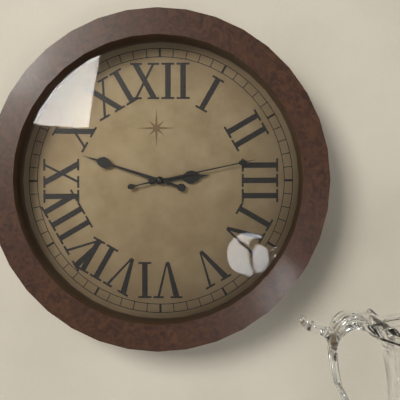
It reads 2:48:13
